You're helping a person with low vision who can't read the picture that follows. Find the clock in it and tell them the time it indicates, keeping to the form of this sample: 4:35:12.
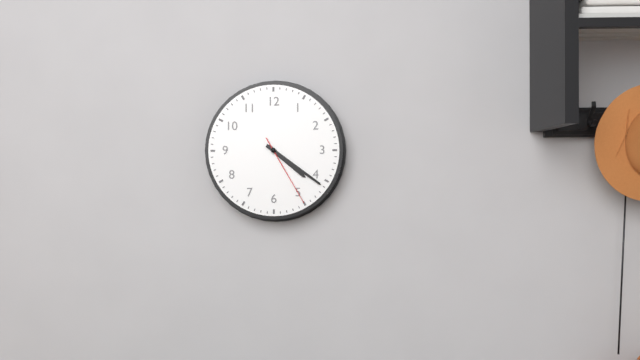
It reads 4:21:25
